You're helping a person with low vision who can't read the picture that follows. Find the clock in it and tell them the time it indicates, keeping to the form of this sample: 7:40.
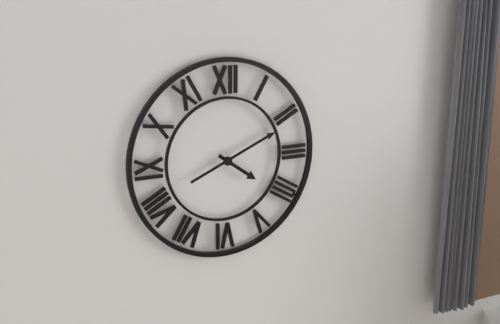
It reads 4:11
